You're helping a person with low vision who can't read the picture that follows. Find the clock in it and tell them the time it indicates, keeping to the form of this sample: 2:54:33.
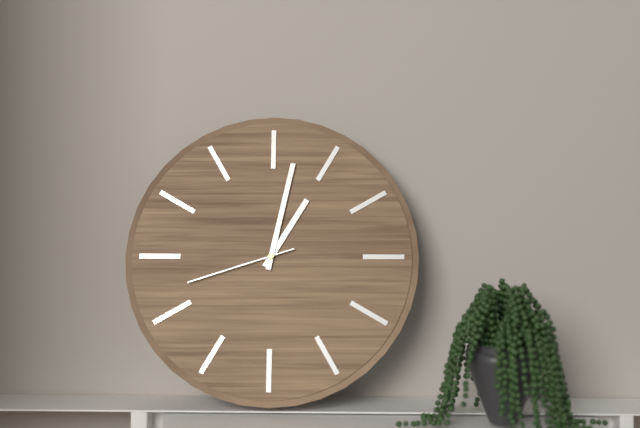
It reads 1:02:42
